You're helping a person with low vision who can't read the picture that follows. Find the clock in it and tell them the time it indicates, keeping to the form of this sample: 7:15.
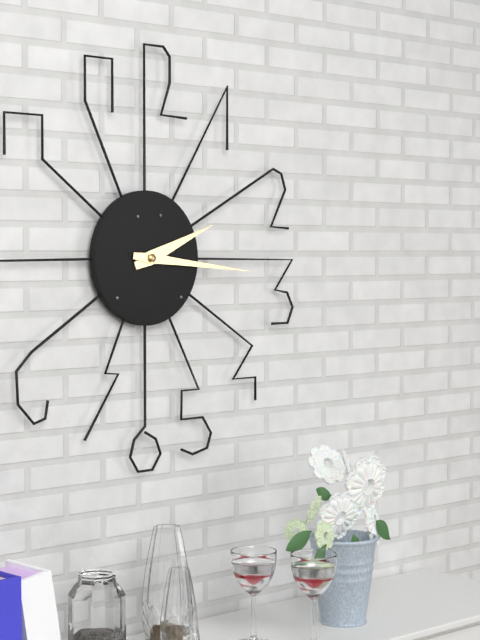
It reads 2:16
